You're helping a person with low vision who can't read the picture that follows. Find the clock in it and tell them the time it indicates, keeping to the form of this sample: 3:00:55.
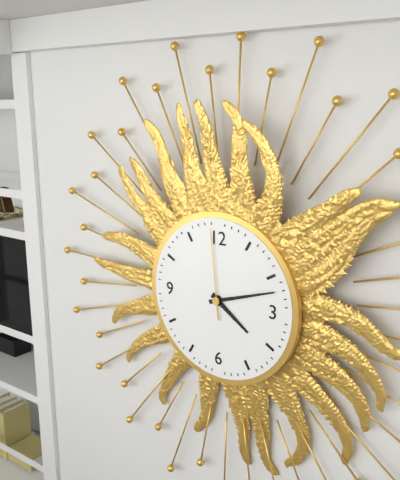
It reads 4:12:59
